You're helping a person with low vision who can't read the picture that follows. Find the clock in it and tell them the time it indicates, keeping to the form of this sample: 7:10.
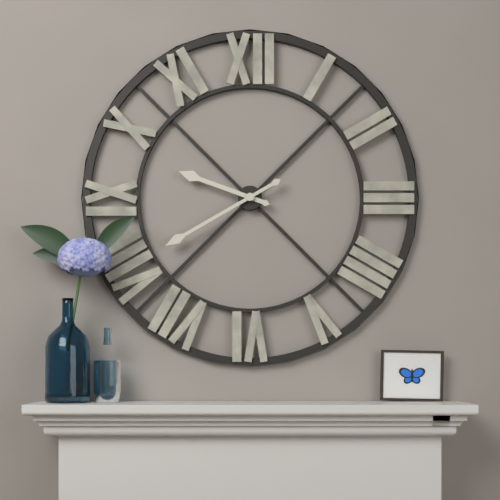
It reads 9:40
